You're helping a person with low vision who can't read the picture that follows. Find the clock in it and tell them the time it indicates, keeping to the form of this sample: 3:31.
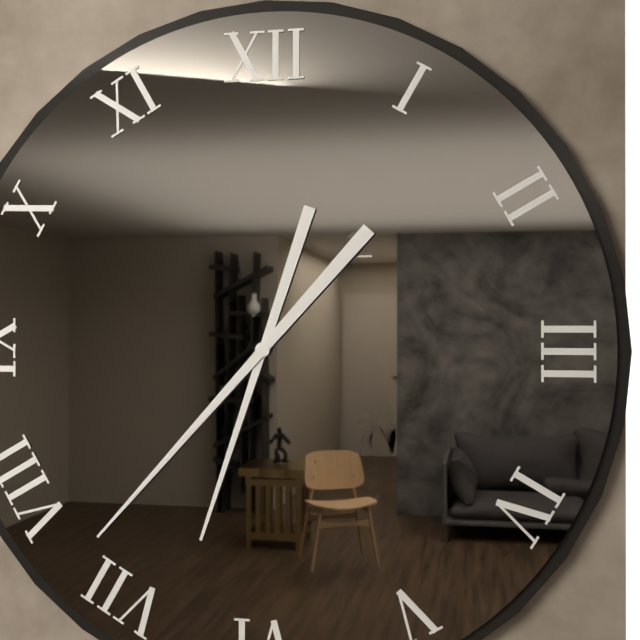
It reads 6:37
